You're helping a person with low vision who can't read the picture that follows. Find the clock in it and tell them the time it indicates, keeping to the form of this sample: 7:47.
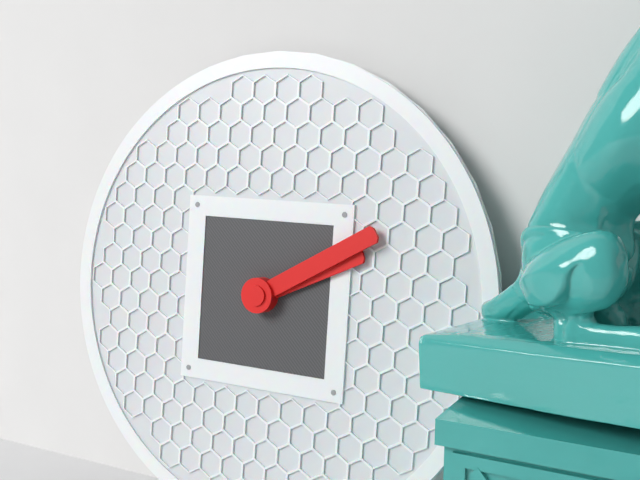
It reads 2:10
